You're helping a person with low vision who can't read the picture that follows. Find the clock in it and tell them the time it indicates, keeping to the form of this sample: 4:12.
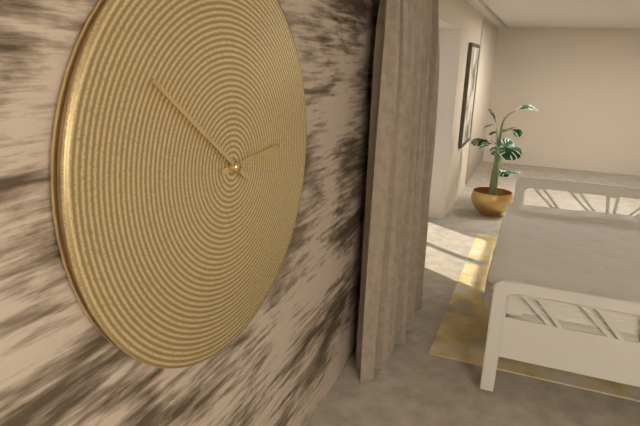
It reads 2:51
